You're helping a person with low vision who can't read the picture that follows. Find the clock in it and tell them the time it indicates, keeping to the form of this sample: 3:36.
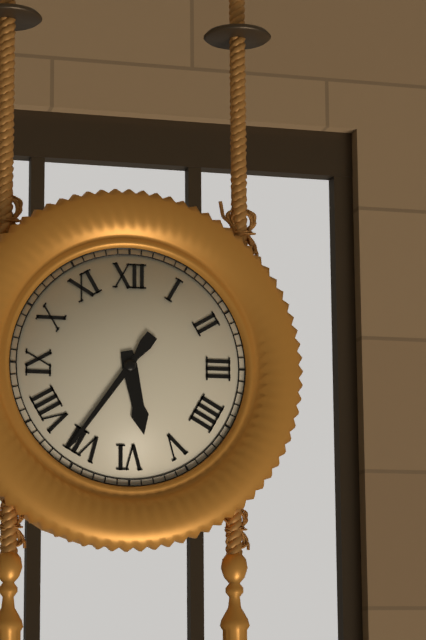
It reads 5:36
